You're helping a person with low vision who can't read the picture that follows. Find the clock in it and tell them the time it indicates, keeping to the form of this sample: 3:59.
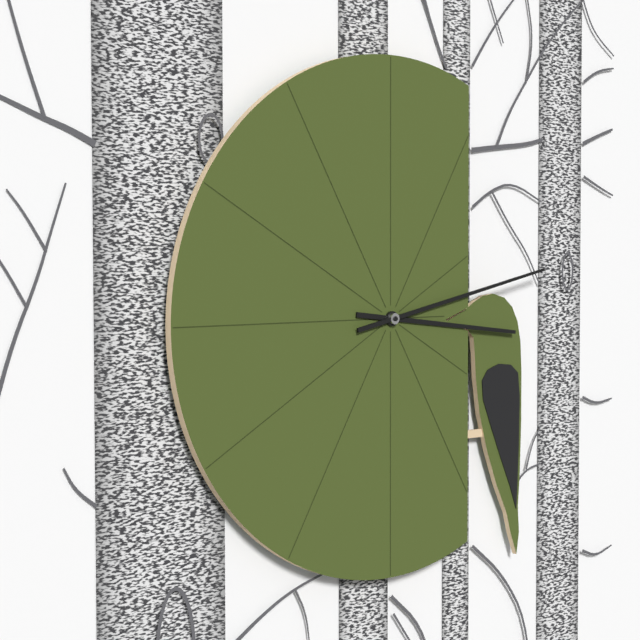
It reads 3:13
